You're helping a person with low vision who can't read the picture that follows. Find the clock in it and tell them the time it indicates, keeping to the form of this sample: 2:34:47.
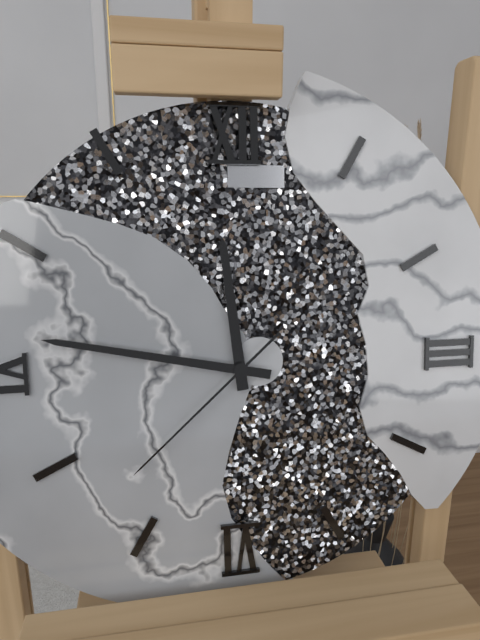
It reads 11:47:38
